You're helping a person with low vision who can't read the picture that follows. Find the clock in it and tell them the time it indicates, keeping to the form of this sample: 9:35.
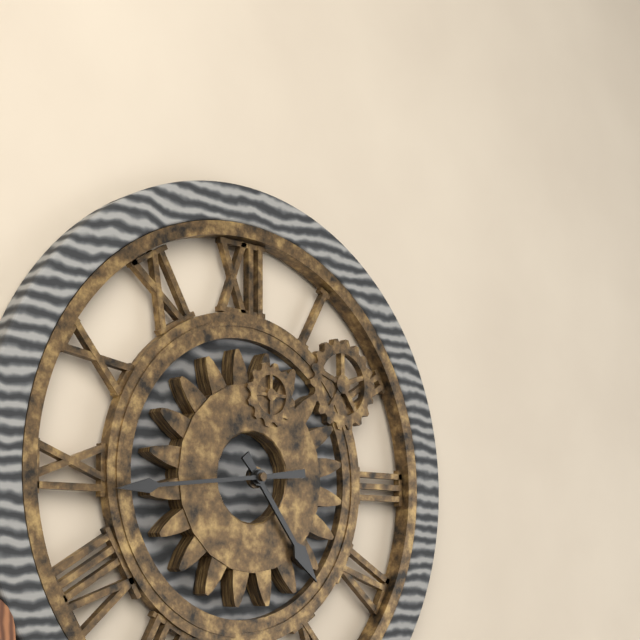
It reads 4:44
